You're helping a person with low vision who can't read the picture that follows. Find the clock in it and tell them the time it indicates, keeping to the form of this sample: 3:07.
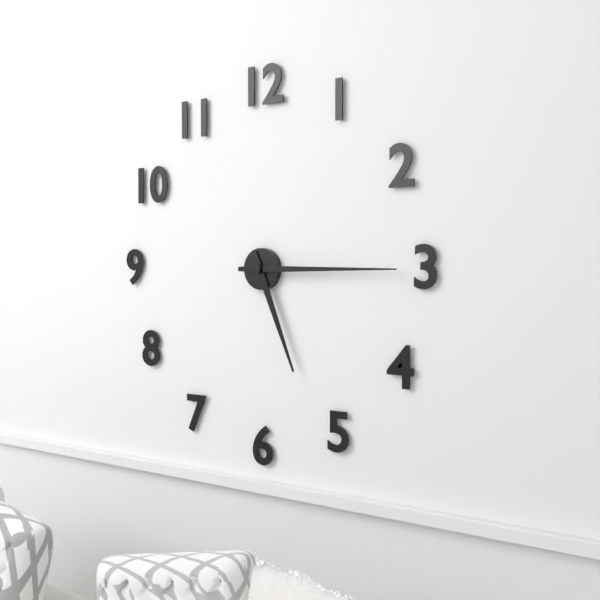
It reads 5:15
